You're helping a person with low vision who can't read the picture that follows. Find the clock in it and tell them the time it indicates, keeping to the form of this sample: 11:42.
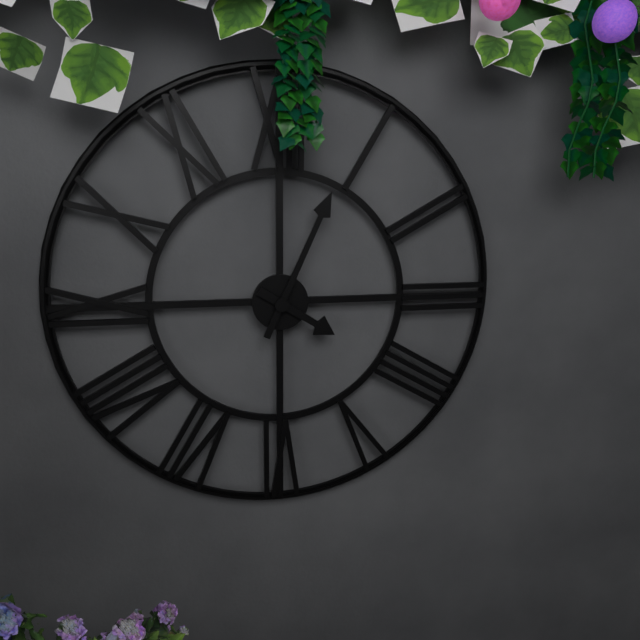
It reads 4:04
